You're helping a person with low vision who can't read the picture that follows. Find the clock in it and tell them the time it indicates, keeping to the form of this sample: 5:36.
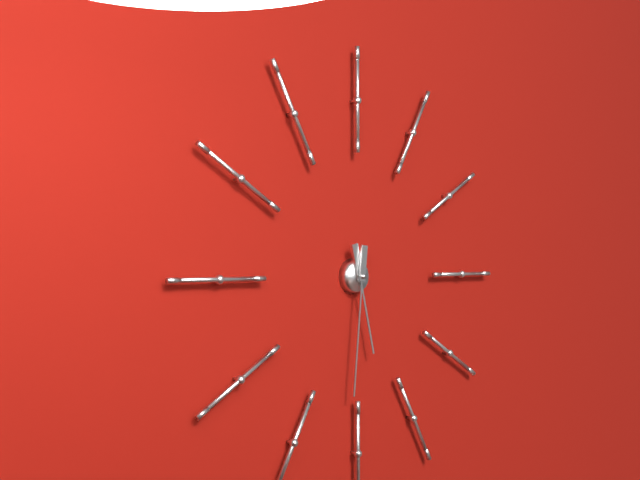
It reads 5:31
